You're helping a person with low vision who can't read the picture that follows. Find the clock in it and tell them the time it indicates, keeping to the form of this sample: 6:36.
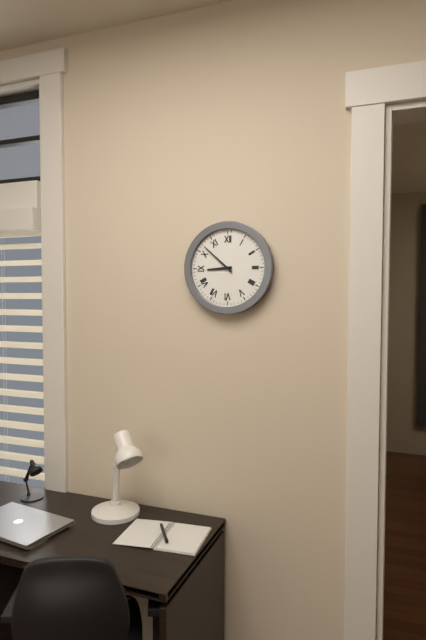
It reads 8:52
